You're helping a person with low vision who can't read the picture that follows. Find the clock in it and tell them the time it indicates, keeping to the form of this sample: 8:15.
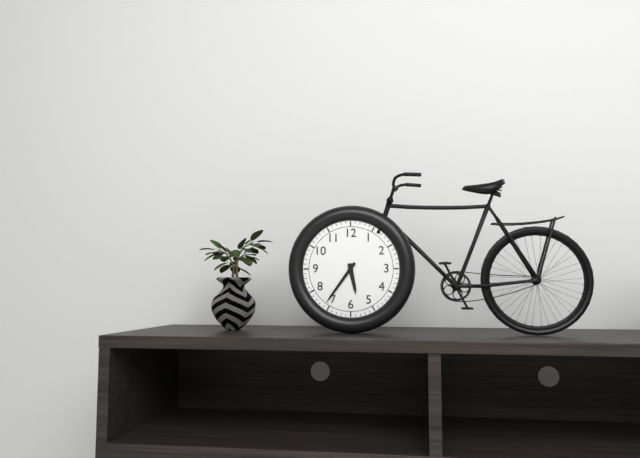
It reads 5:36
